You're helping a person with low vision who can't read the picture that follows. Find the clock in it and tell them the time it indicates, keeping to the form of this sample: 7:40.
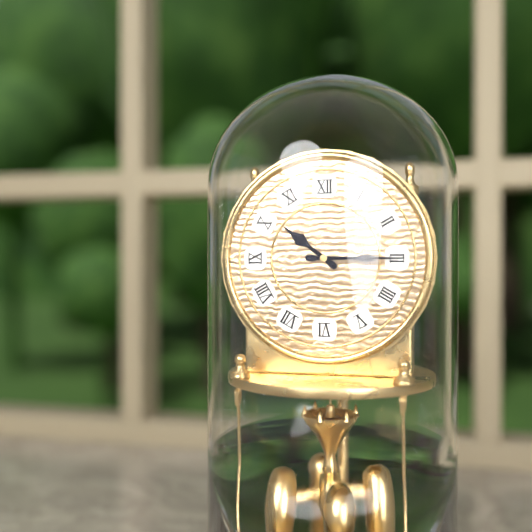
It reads 10:15
